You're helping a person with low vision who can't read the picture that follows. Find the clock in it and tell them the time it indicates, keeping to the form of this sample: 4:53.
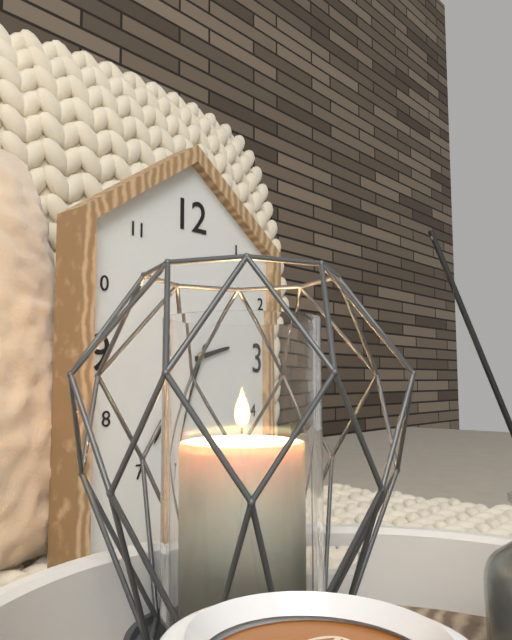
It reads 2:35
